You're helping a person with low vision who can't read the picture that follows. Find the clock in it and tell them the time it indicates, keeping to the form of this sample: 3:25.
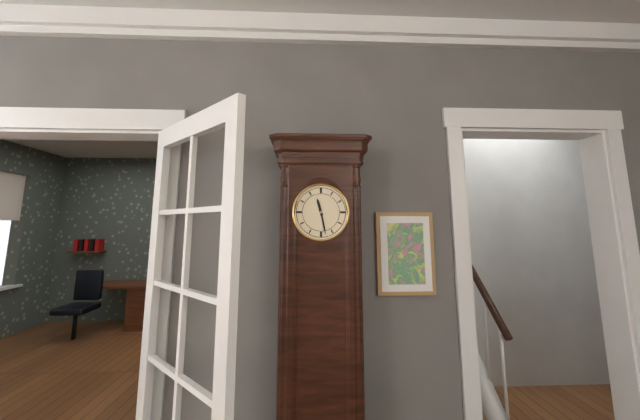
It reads 11:28
